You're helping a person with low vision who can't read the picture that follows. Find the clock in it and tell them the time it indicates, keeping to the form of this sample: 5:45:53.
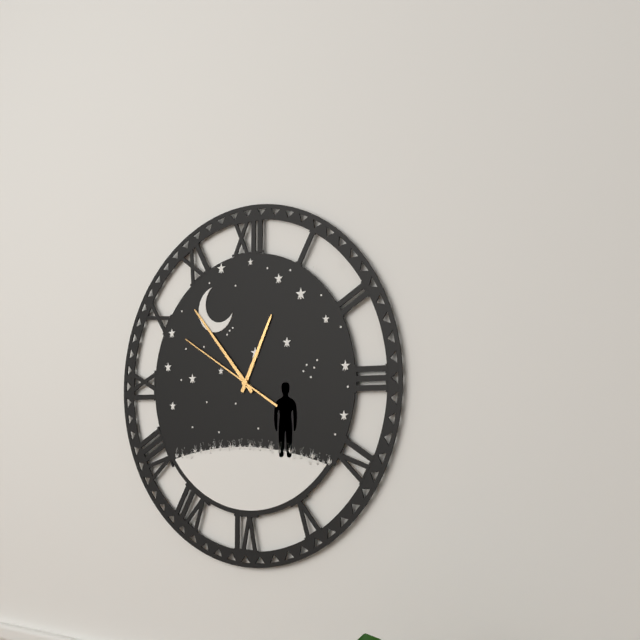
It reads 12:53:50
